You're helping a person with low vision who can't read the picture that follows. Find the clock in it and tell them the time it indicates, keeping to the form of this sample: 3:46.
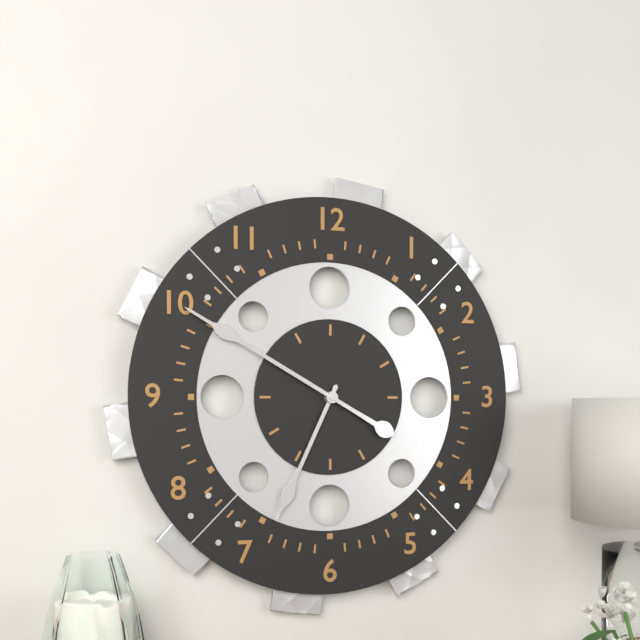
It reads 6:50
